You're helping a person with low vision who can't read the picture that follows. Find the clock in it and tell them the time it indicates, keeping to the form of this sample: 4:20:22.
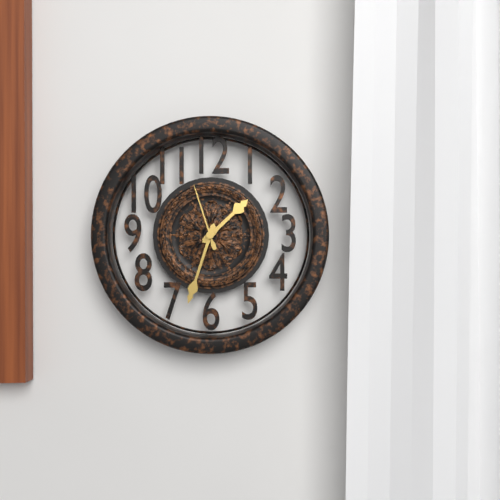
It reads 1:33:57
